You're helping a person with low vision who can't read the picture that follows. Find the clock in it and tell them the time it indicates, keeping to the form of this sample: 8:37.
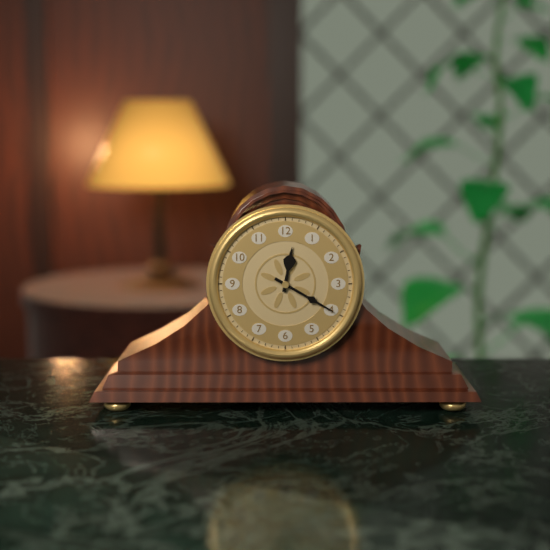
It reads 12:20
